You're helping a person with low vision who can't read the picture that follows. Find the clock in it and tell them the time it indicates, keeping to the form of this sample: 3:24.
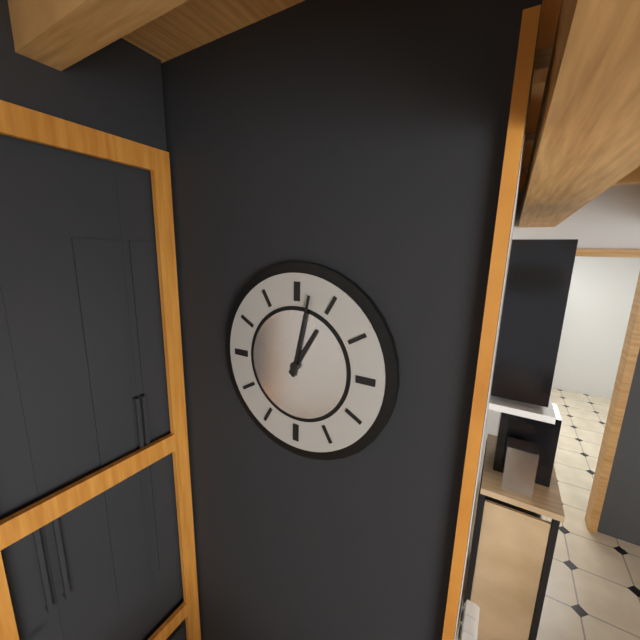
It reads 1:02
